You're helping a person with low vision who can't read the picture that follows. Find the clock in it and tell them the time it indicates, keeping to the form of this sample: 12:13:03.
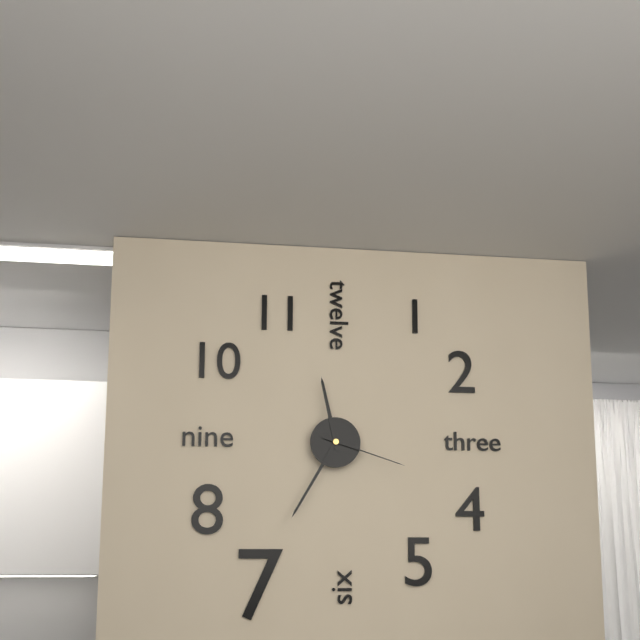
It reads 11:35:18
